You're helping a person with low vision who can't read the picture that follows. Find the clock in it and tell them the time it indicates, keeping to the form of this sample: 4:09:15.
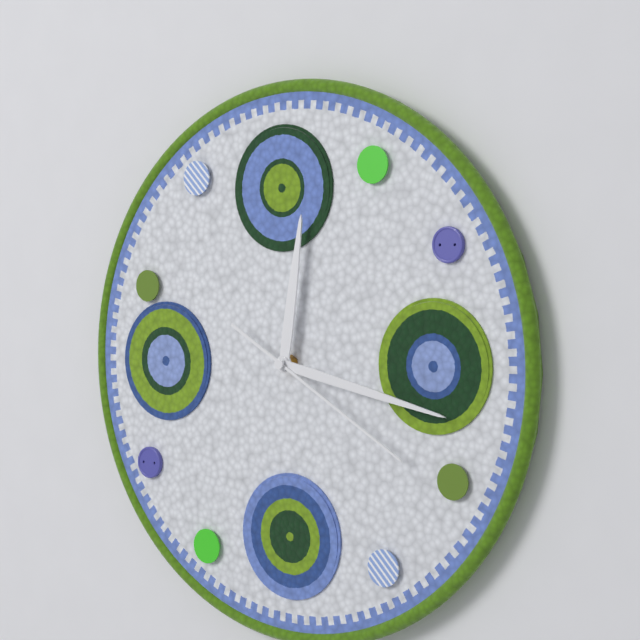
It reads 12:17:20
